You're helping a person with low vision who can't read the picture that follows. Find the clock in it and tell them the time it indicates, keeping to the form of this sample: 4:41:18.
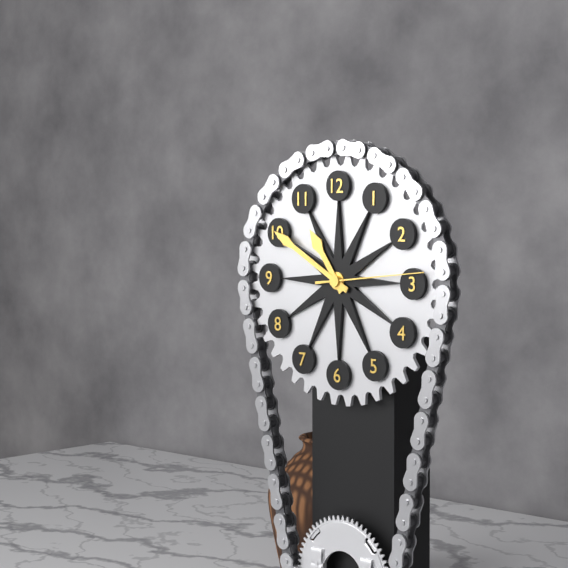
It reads 10:50:14
